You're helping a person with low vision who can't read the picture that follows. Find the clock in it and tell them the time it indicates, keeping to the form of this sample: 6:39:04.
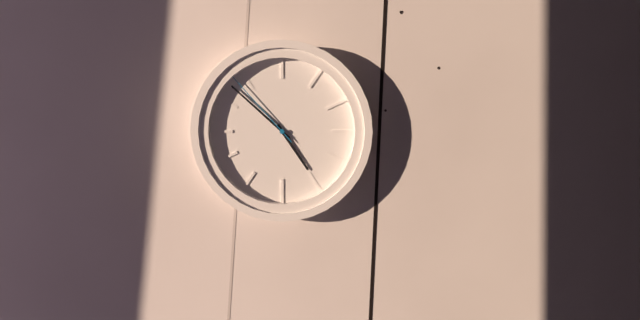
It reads 4:52:53
